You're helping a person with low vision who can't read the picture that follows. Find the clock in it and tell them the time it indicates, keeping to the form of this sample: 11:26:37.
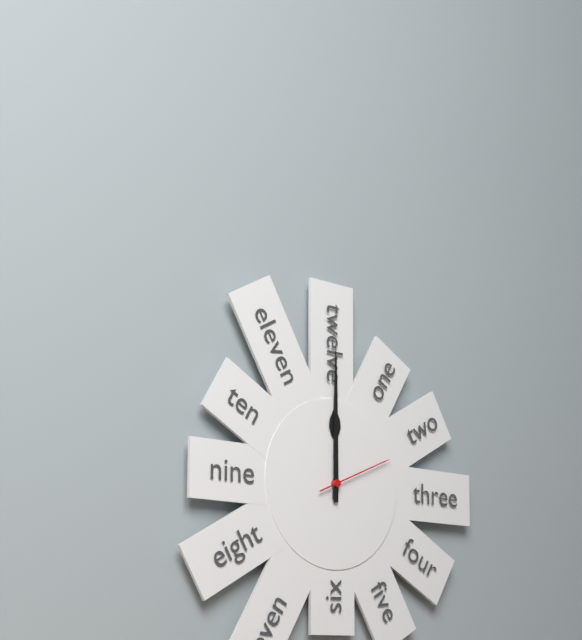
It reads 12:00:11
